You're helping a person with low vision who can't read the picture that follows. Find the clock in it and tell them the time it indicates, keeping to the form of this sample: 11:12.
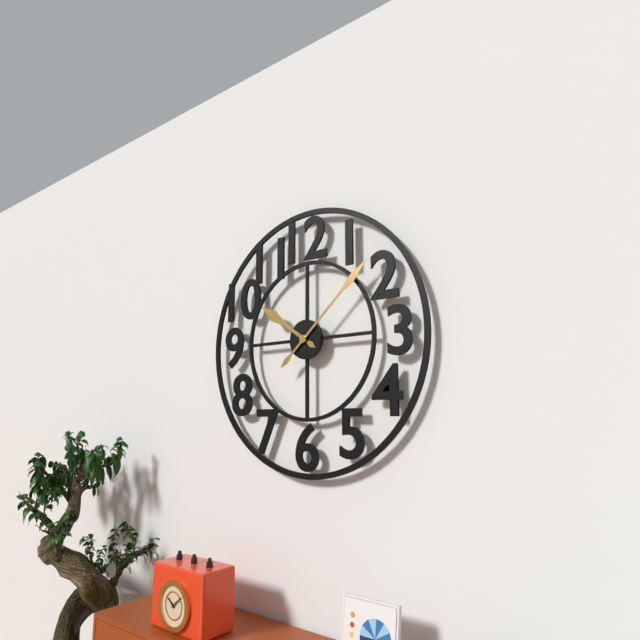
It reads 10:08
